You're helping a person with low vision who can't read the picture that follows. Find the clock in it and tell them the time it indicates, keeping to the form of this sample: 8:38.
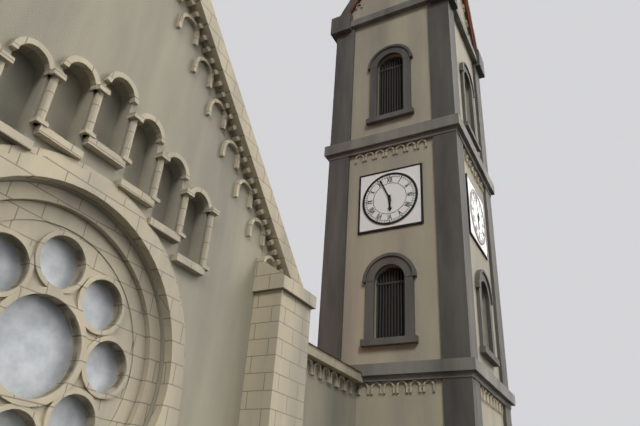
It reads 5:56
